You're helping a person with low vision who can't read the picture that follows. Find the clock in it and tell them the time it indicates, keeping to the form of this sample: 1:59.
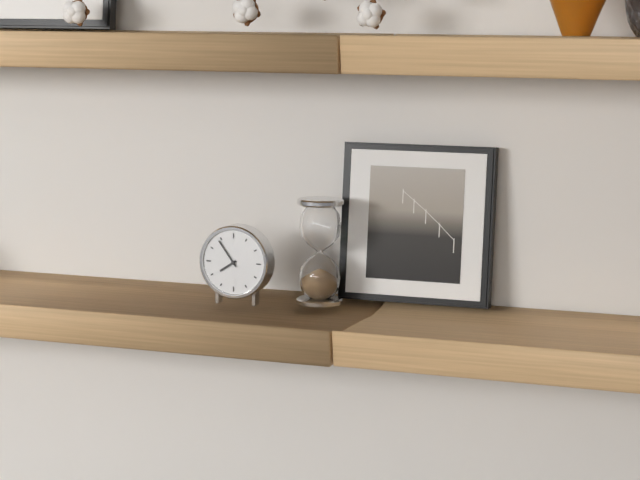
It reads 7:54
